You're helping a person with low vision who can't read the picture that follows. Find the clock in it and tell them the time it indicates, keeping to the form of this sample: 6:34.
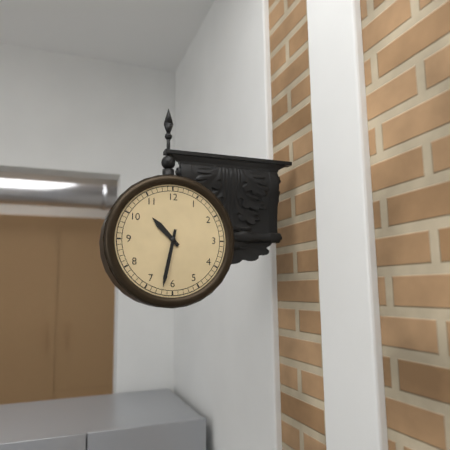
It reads 10:32
